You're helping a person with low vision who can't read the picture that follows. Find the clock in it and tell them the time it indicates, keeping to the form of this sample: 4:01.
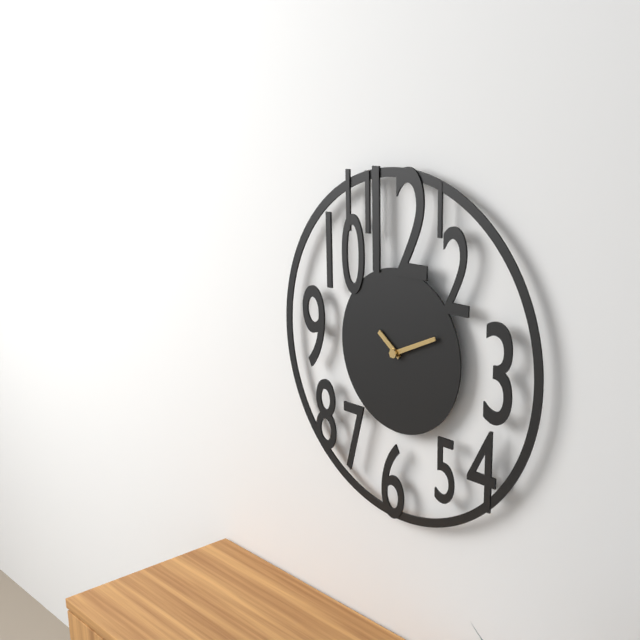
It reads 10:11
